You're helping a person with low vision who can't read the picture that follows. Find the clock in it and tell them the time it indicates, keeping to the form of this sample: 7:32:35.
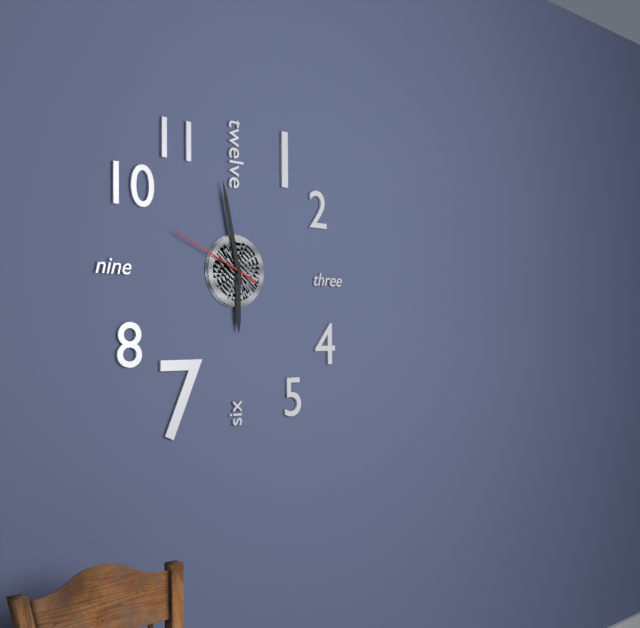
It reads 5:58:49
